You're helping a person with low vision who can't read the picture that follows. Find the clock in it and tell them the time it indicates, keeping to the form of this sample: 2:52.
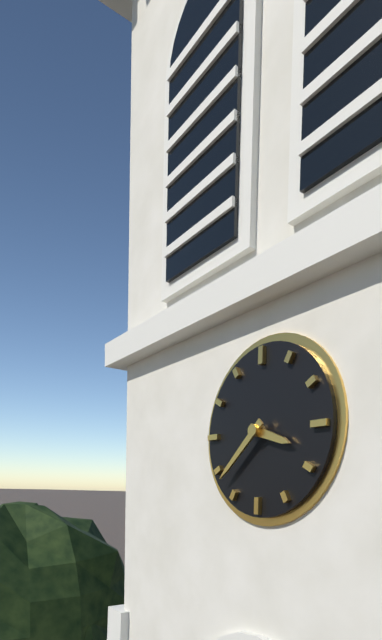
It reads 3:38
